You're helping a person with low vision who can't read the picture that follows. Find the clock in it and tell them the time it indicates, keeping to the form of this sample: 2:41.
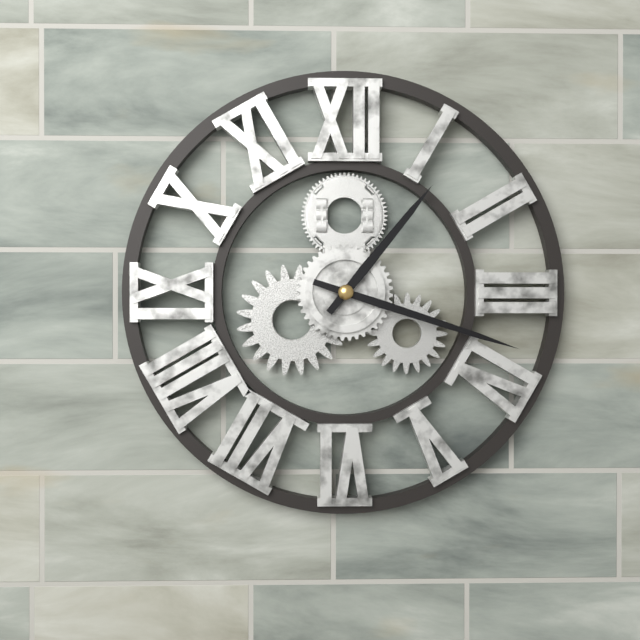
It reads 1:18
